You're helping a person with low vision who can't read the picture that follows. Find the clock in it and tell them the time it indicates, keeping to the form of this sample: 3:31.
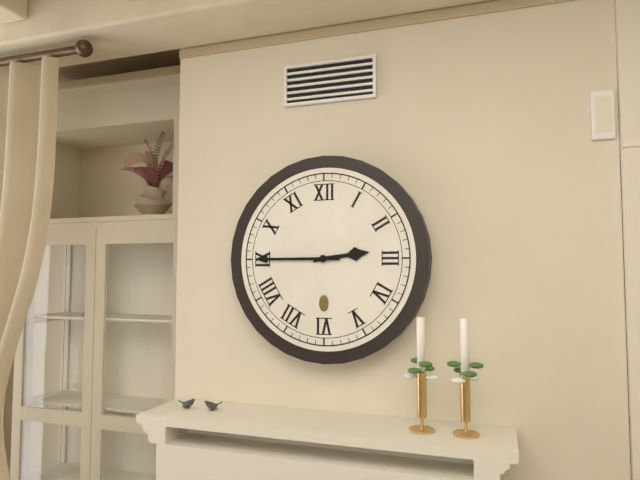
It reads 2:45
